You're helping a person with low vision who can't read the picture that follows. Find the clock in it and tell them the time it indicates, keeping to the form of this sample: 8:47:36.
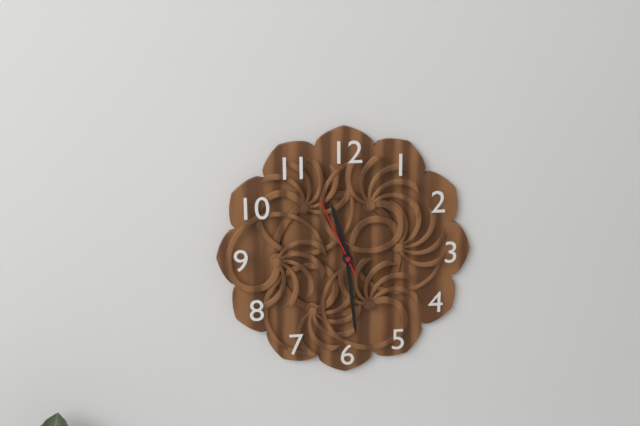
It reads 11:29:56
